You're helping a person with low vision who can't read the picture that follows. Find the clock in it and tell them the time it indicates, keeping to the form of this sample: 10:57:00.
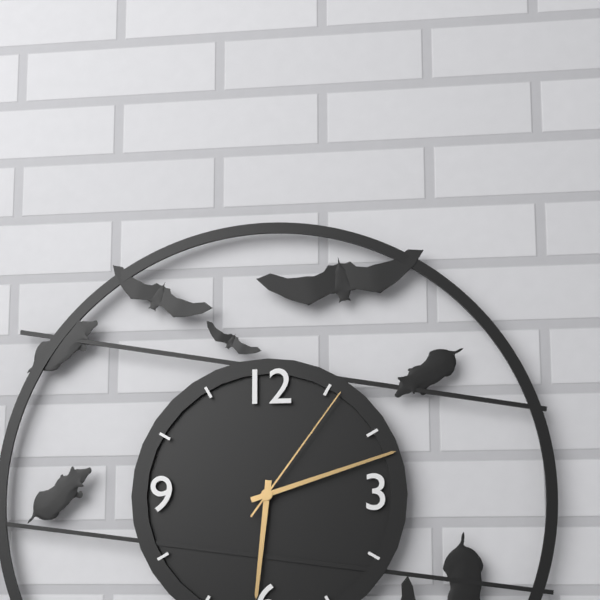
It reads 6:12:06
